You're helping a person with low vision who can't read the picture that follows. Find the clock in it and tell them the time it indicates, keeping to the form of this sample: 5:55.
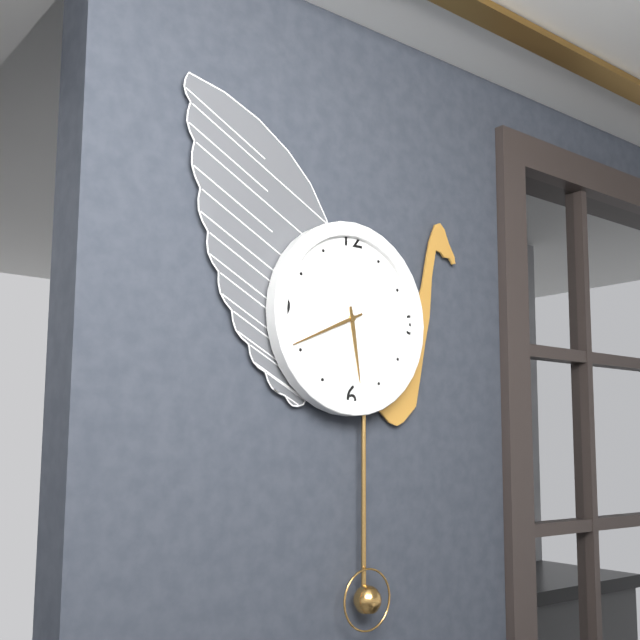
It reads 5:41
